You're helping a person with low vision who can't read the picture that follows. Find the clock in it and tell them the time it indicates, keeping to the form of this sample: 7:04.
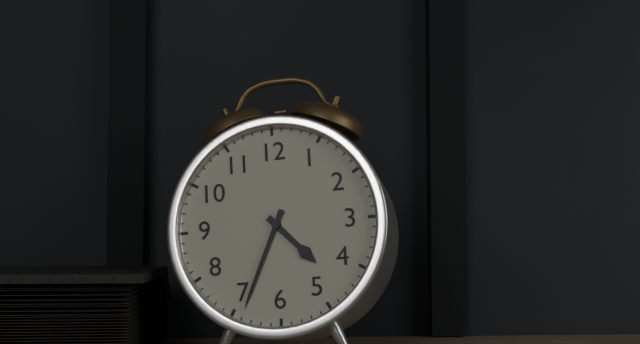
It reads 4:34
